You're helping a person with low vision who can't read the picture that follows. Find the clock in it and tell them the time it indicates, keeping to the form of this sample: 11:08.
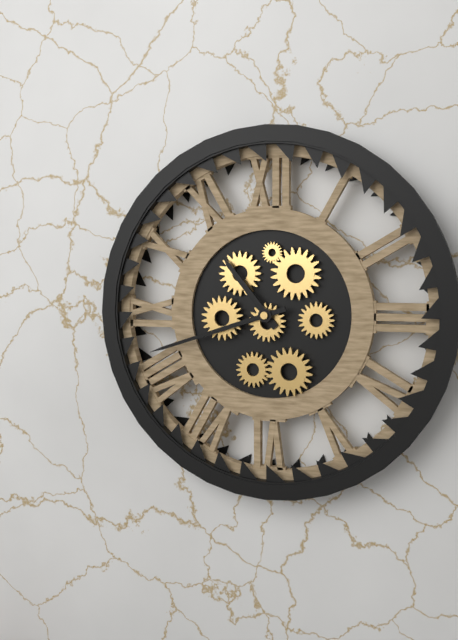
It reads 10:42
